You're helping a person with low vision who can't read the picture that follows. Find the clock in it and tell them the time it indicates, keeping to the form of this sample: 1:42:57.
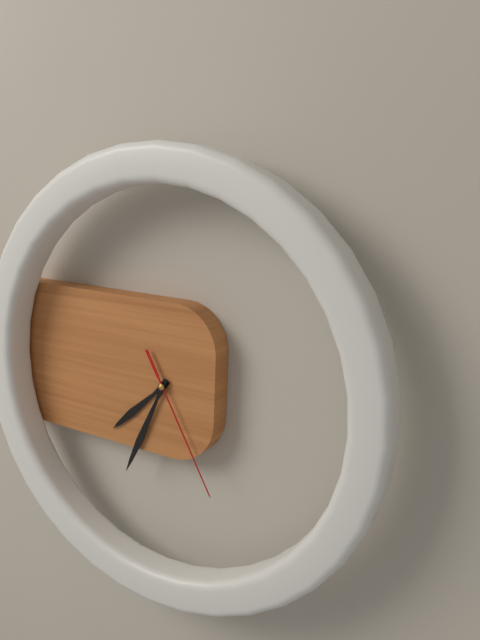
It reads 7:34:25
